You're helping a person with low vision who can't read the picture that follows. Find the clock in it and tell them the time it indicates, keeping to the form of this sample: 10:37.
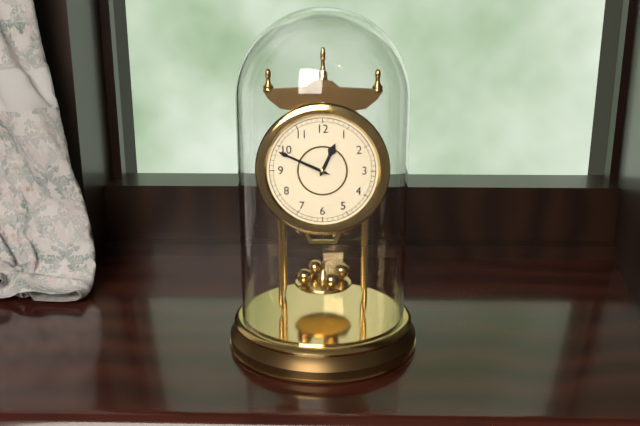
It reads 12:49
